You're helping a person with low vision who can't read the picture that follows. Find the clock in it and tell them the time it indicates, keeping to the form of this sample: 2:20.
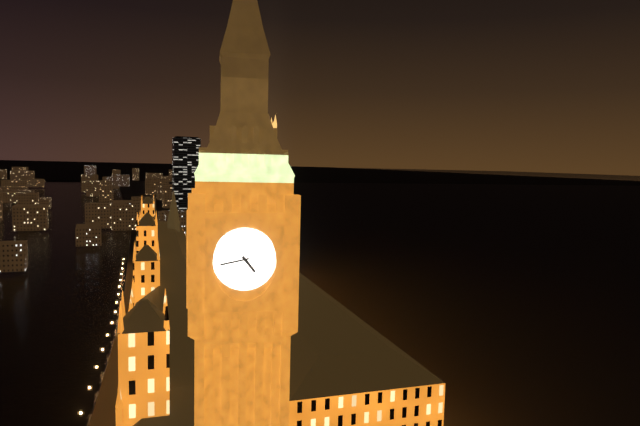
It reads 4:43
